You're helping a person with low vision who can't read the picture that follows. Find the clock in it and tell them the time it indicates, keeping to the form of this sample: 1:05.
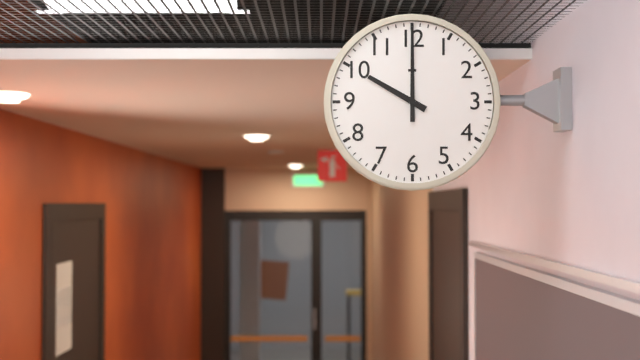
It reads 10:00
